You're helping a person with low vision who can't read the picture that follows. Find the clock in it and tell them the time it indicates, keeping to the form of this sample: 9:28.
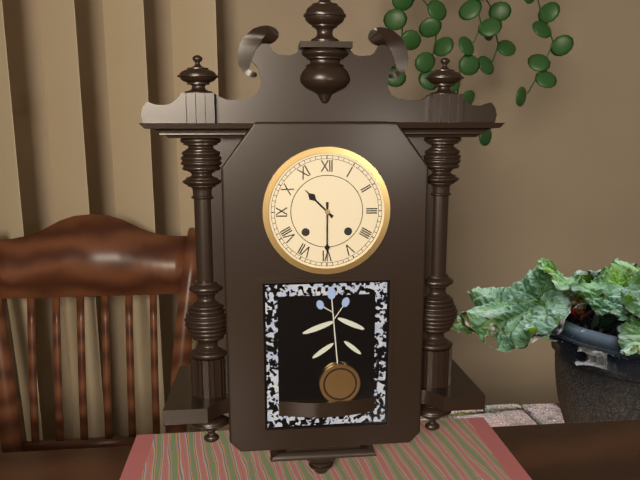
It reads 10:30
